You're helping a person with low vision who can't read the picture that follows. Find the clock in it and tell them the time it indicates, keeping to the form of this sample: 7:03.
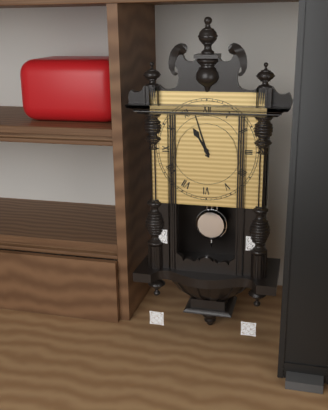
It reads 10:57
